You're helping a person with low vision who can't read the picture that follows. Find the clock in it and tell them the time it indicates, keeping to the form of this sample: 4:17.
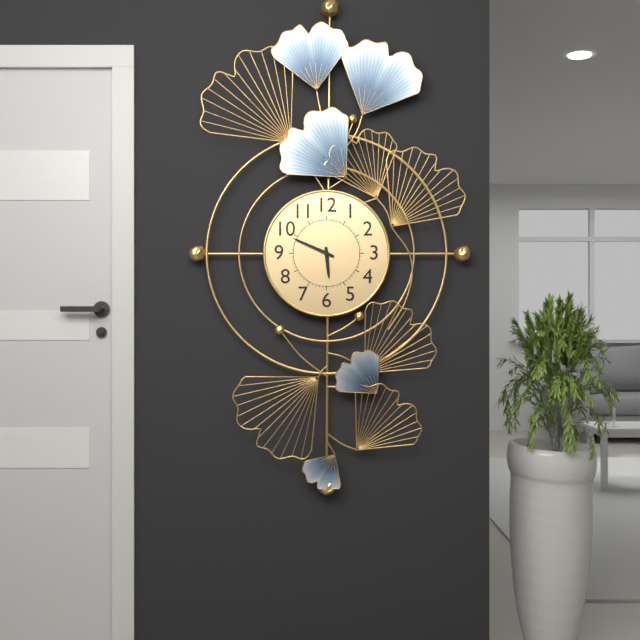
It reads 5:49
